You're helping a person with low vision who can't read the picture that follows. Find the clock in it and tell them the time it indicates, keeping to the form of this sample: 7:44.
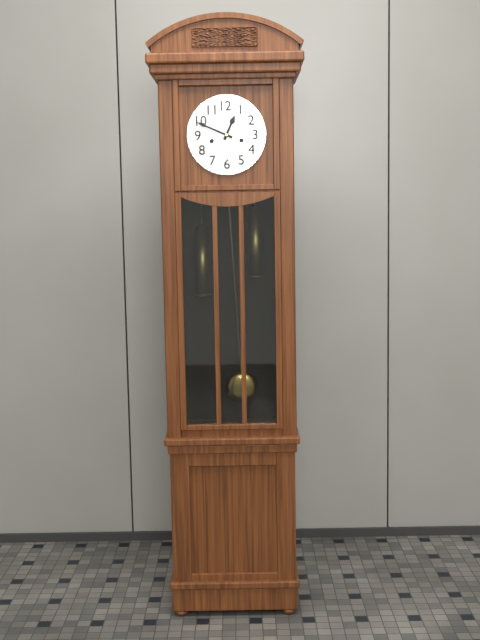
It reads 12:49
